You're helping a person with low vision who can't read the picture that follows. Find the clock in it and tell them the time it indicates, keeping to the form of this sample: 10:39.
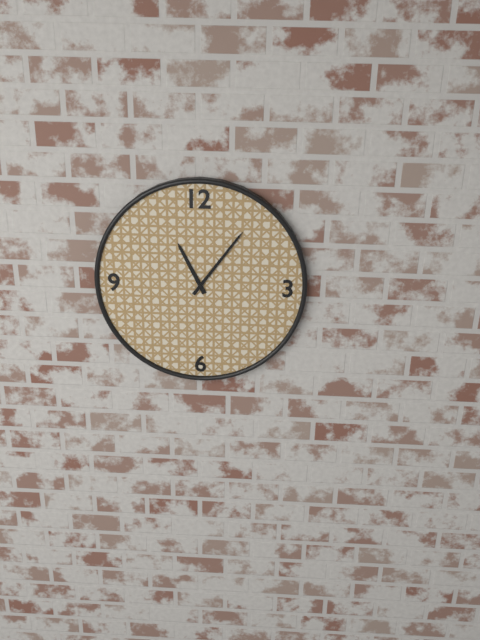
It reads 11:06
